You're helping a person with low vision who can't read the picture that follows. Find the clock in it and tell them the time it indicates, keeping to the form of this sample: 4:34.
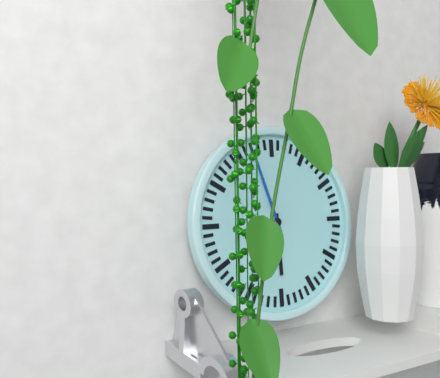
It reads 5:57
